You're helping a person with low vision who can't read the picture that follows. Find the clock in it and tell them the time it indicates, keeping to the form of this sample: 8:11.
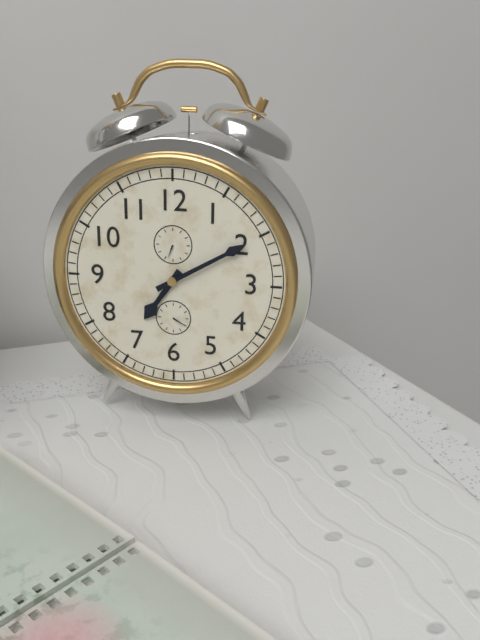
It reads 7:10
